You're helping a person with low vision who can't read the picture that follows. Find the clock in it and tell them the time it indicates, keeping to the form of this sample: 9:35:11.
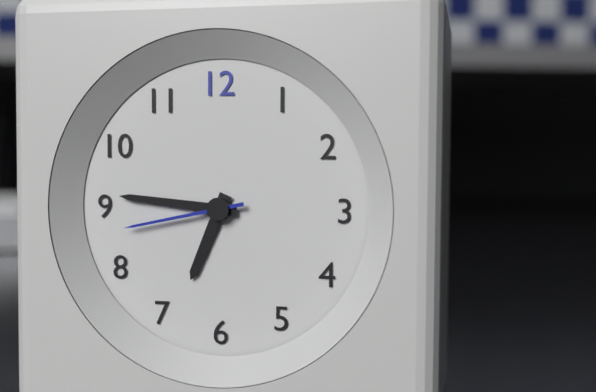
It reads 6:46:43
